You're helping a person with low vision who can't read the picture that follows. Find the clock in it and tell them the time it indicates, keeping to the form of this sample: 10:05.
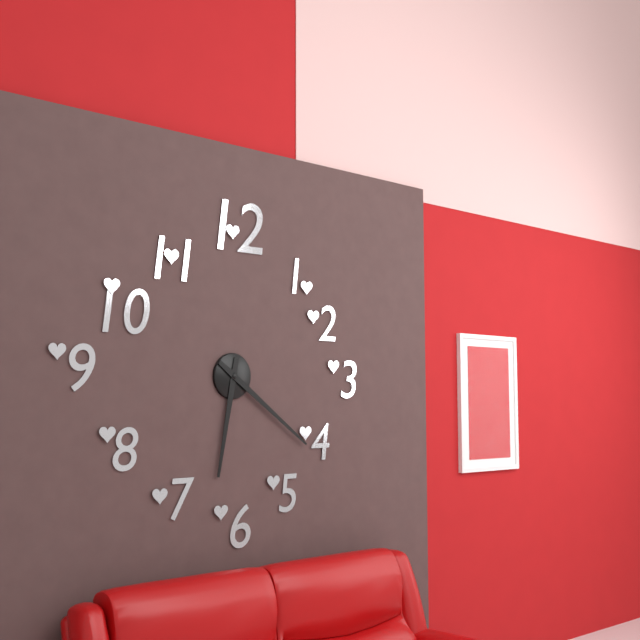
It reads 6:21
